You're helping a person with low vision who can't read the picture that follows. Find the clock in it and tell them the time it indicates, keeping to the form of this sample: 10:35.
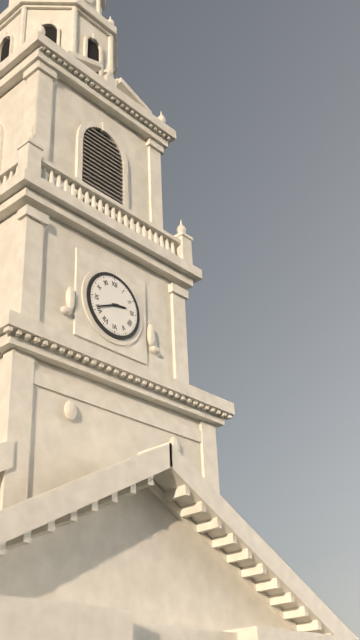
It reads 2:41
